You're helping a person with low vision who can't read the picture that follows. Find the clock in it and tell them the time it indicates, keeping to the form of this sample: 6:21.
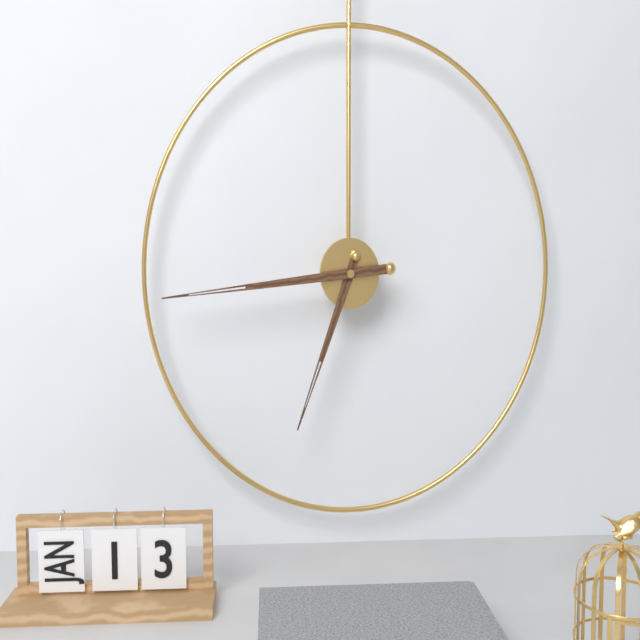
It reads 6:44
